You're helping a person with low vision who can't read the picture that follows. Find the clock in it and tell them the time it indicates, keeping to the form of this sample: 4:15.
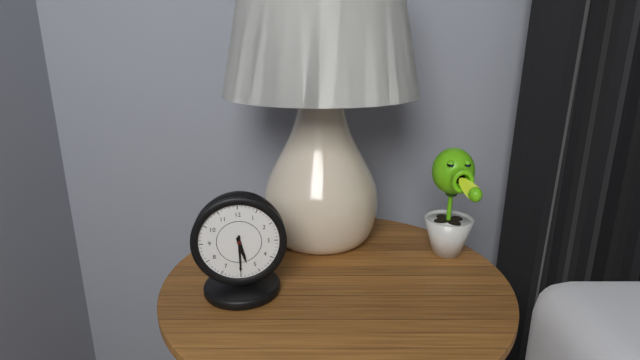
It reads 5:30
